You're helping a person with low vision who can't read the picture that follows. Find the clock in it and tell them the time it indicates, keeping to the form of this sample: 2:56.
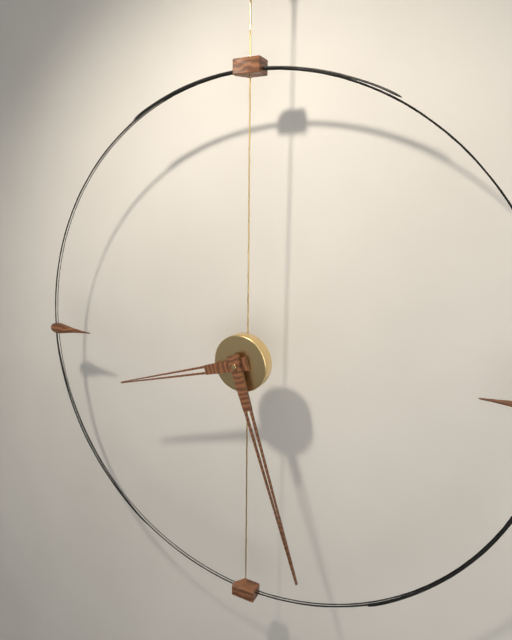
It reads 8:27
